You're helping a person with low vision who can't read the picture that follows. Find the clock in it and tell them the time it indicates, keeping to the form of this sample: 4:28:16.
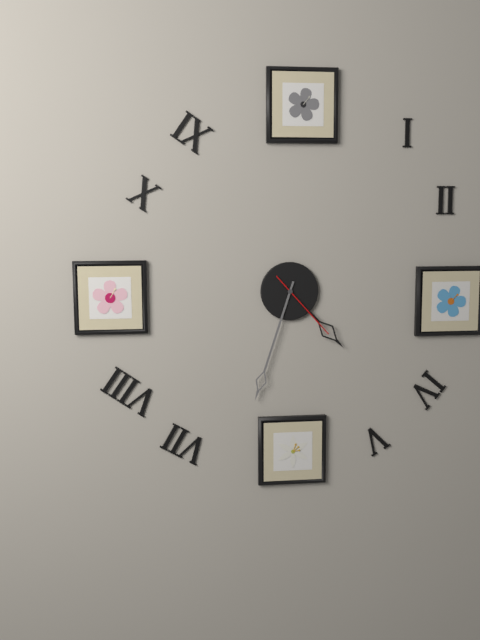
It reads 4:33:23
